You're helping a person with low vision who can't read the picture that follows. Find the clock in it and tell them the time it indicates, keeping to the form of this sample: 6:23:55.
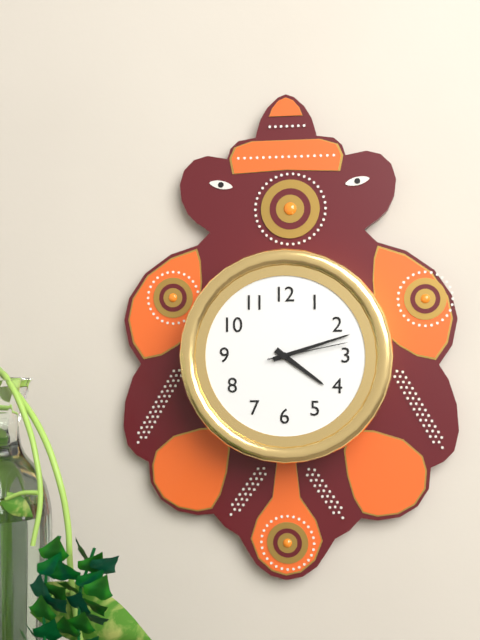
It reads 4:12:13
